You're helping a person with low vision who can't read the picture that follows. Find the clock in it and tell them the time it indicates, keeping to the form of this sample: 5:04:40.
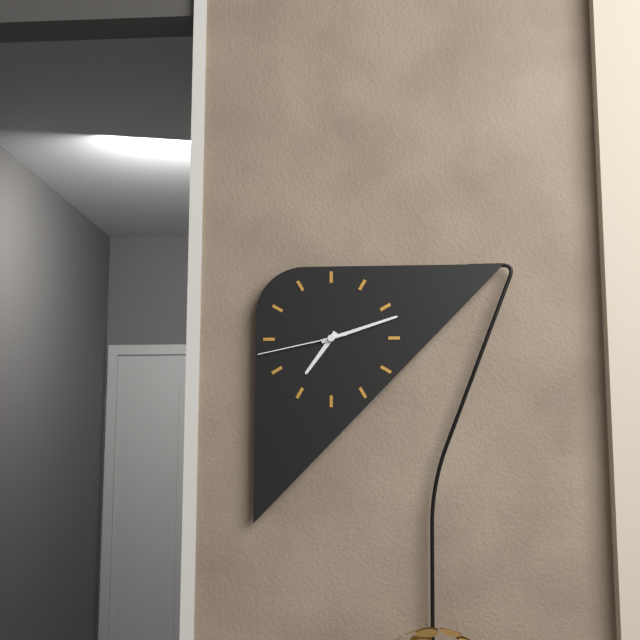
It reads 7:12:43
